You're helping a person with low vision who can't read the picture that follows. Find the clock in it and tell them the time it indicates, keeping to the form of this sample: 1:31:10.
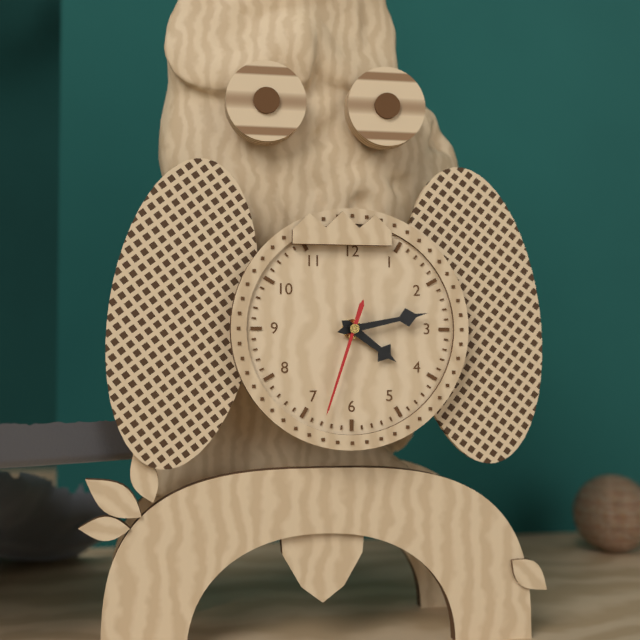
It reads 4:13:33
